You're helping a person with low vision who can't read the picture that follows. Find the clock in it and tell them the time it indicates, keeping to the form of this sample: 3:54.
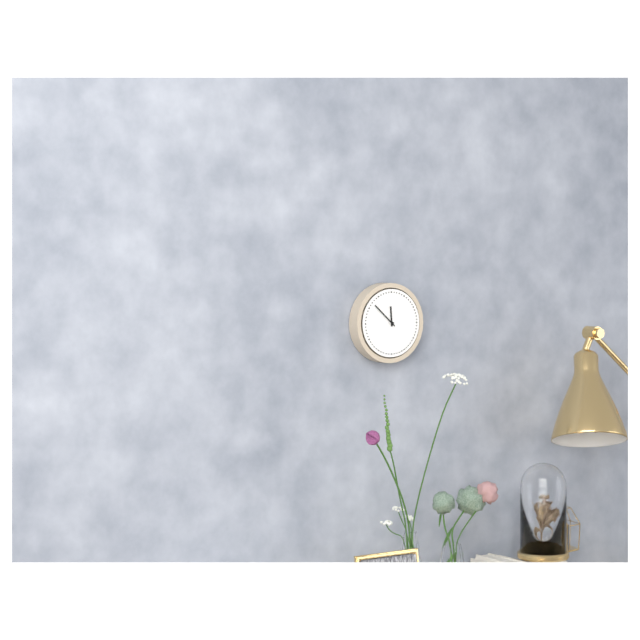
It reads 11:52
